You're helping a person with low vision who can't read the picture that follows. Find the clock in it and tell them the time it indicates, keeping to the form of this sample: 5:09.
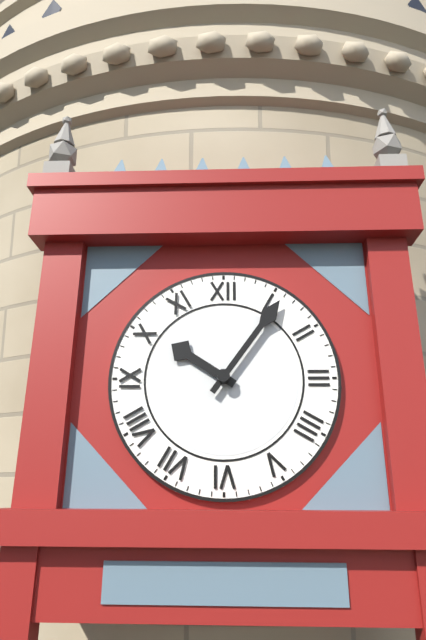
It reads 10:06
